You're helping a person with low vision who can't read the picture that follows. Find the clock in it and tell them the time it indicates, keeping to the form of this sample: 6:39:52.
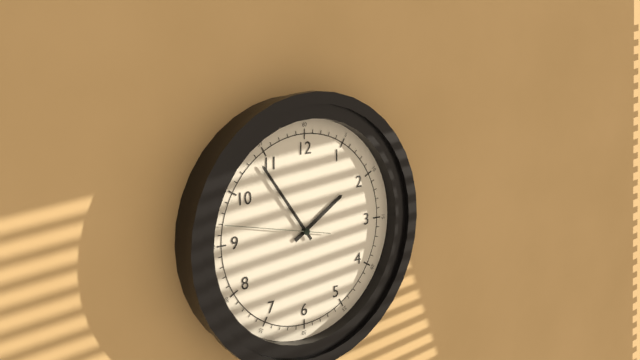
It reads 1:54:47
